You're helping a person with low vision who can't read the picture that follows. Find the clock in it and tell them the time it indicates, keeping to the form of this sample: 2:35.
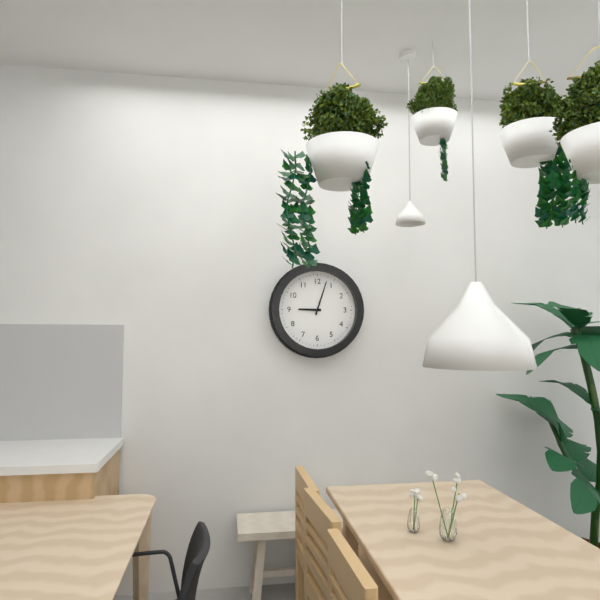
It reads 9:03
